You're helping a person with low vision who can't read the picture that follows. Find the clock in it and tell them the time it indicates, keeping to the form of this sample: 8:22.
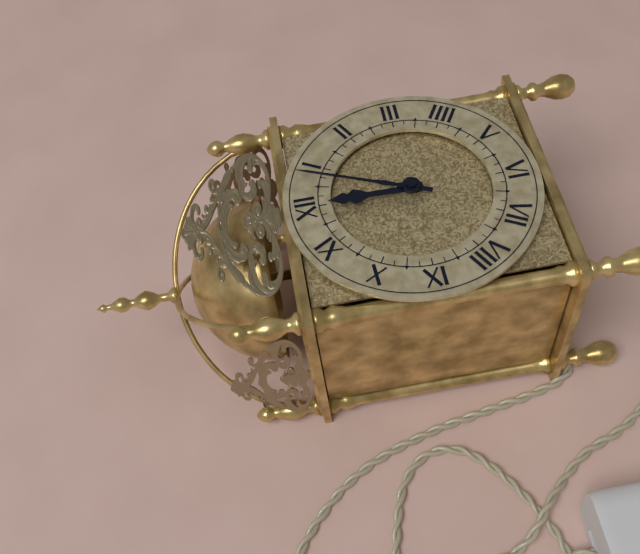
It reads 12:04
